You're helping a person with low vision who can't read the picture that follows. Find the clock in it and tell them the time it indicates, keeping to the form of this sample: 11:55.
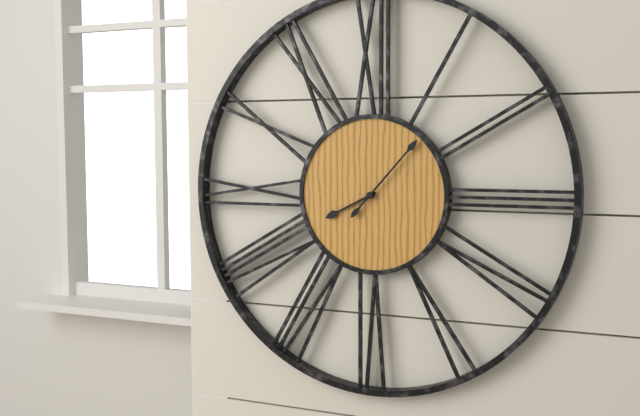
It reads 8:07
